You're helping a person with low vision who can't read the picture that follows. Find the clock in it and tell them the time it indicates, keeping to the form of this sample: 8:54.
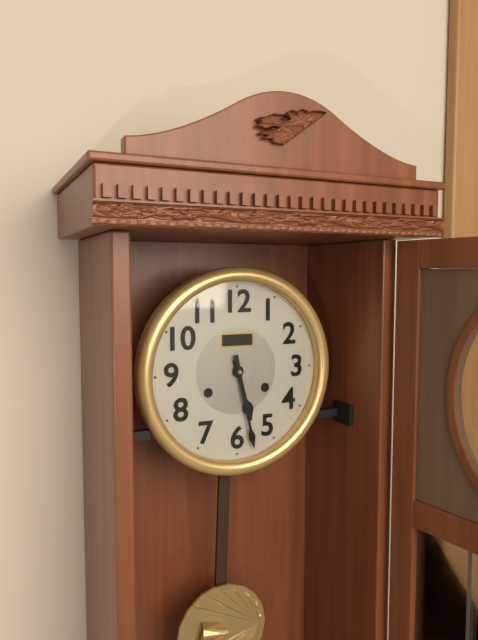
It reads 5:28
